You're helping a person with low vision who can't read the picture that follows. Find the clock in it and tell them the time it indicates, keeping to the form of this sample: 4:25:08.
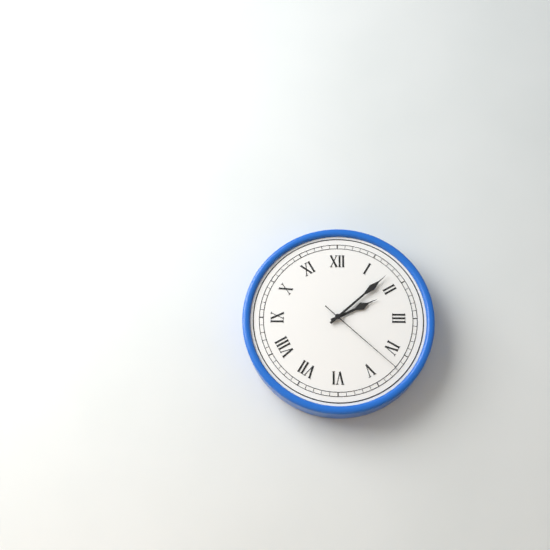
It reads 2:08:22
